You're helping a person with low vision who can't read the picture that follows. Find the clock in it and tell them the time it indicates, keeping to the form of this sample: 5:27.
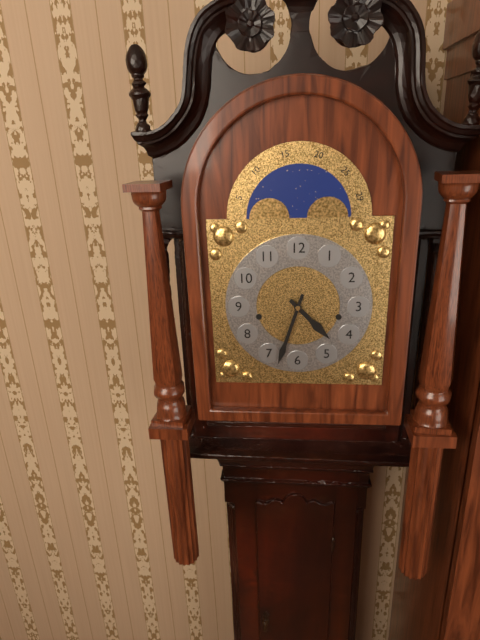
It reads 4:33
